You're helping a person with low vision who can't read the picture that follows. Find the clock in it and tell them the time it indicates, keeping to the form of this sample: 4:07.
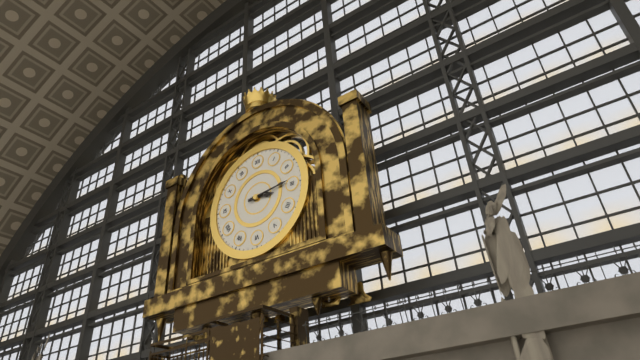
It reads 3:14
